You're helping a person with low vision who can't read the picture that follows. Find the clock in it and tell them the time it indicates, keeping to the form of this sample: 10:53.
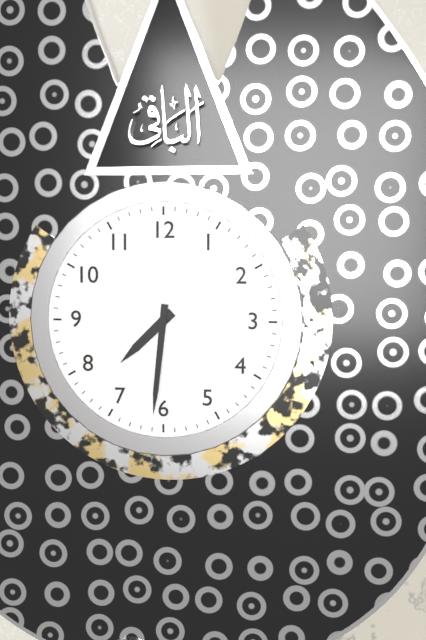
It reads 7:31
